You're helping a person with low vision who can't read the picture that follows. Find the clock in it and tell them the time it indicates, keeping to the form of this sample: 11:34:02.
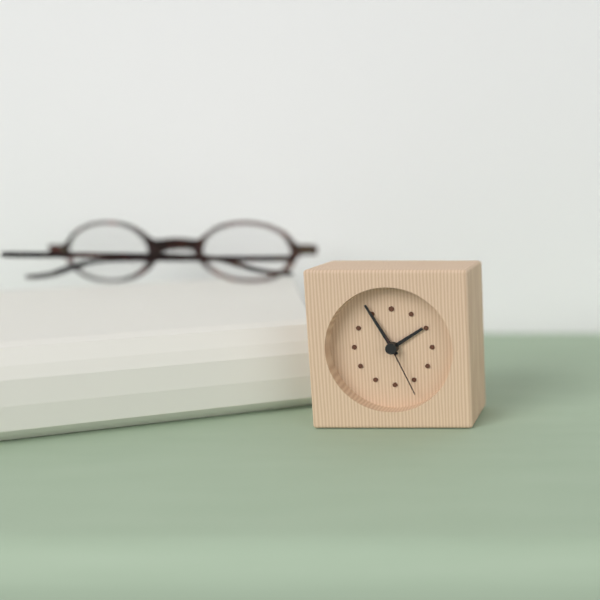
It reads 1:55:26
